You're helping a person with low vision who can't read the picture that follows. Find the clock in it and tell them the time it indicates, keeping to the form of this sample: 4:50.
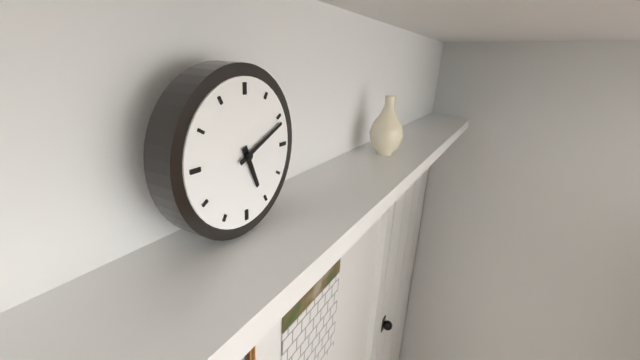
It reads 5:11
